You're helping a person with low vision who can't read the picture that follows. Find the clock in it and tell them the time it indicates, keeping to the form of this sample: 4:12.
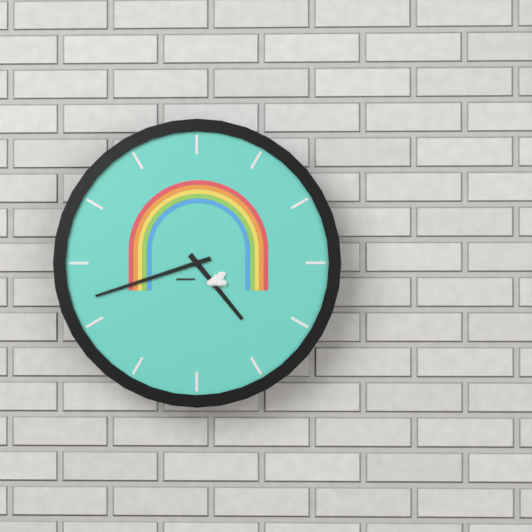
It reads 4:42
